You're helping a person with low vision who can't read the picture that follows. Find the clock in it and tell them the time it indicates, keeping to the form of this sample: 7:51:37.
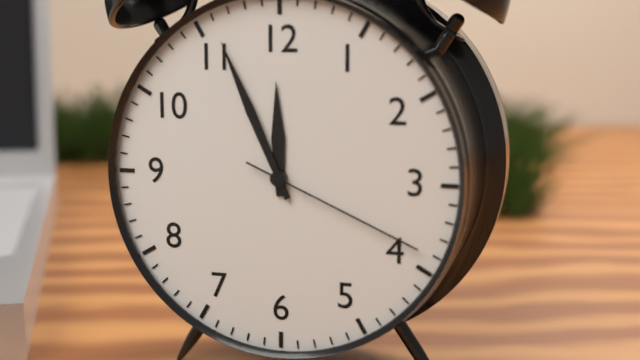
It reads 11:56:19
